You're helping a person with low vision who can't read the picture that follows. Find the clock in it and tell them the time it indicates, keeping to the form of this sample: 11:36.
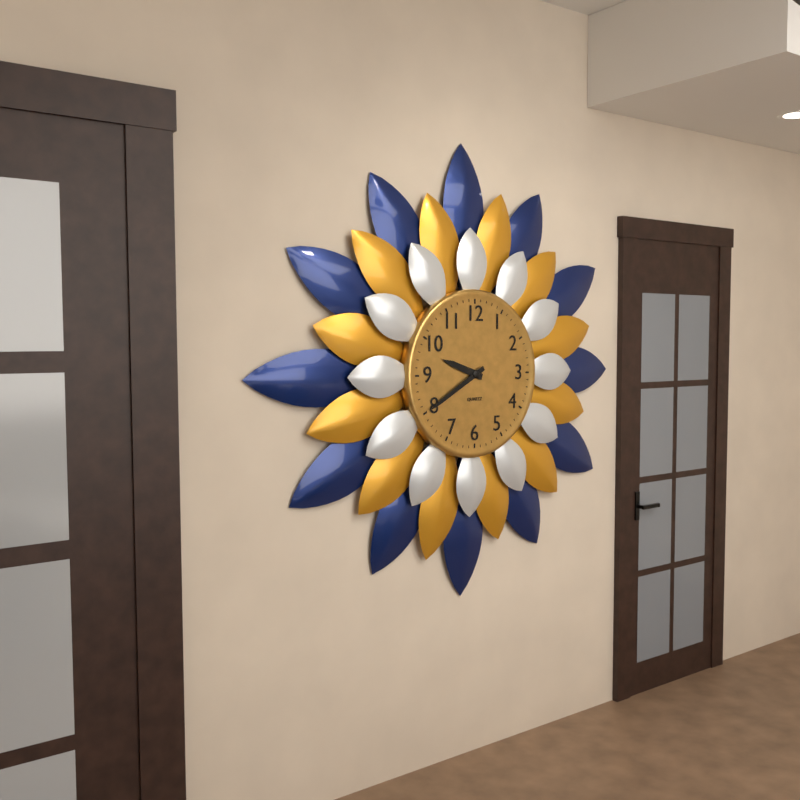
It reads 9:40
